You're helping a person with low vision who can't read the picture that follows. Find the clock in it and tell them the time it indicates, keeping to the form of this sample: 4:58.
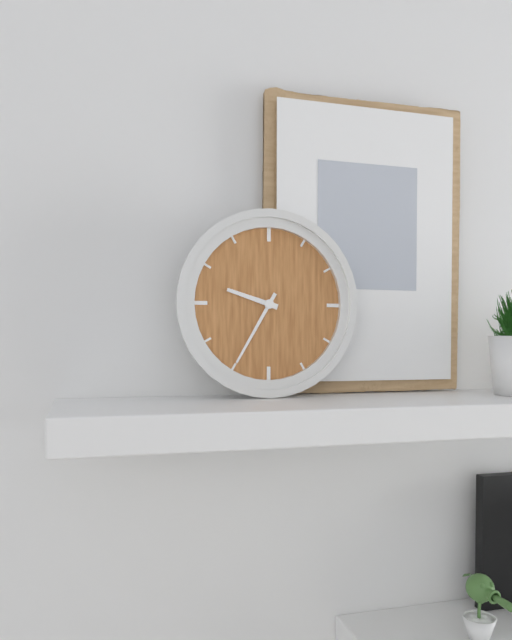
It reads 9:35
